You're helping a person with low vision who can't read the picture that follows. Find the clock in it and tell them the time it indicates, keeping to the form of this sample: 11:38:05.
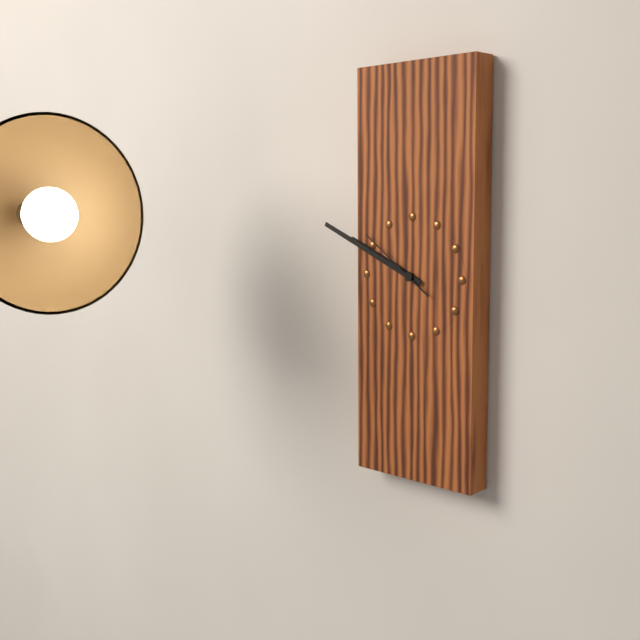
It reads 9:49:51
